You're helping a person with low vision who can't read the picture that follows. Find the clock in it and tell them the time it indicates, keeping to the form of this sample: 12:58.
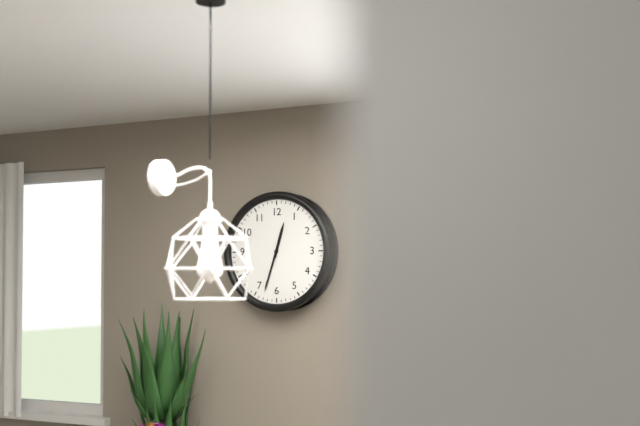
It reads 12:33
